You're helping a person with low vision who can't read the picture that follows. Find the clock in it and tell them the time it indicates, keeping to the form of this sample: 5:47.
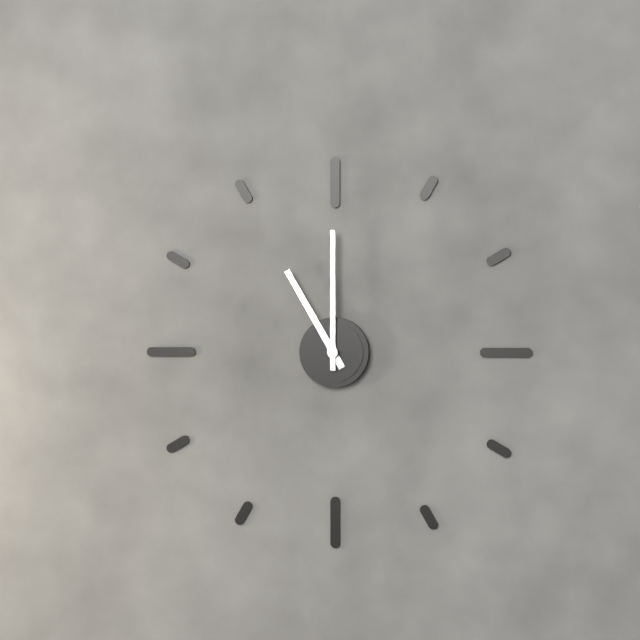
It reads 11:00
